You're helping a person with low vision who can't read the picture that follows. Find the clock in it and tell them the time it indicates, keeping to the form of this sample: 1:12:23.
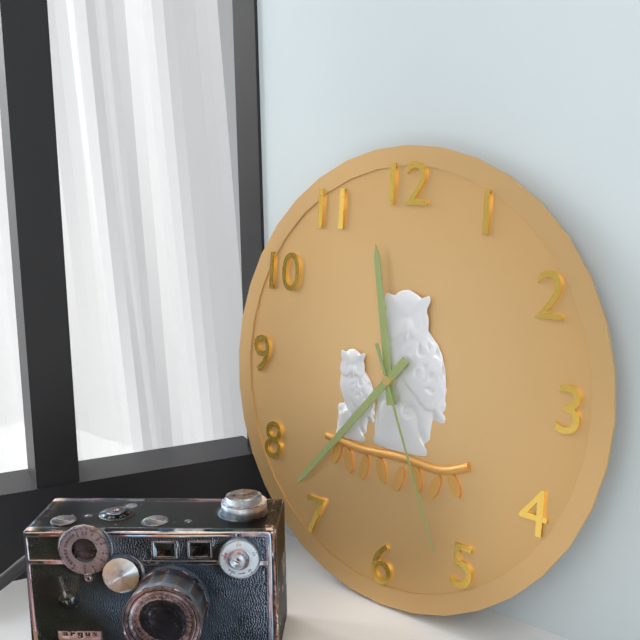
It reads 11:37:26
